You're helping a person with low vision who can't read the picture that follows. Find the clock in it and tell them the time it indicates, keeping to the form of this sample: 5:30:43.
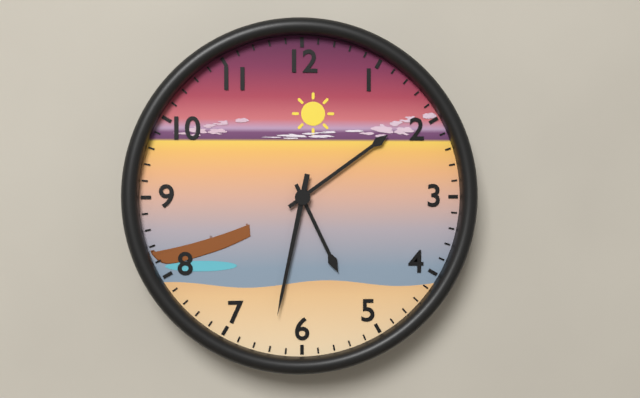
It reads 5:09:32
